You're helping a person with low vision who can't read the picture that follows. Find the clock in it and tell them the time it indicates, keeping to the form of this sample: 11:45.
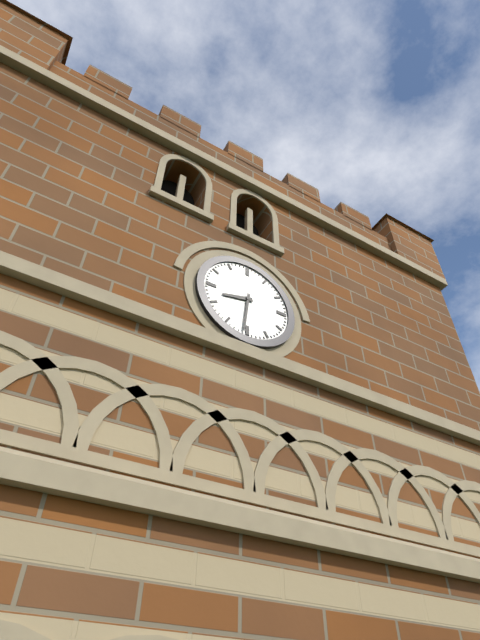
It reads 8:31
